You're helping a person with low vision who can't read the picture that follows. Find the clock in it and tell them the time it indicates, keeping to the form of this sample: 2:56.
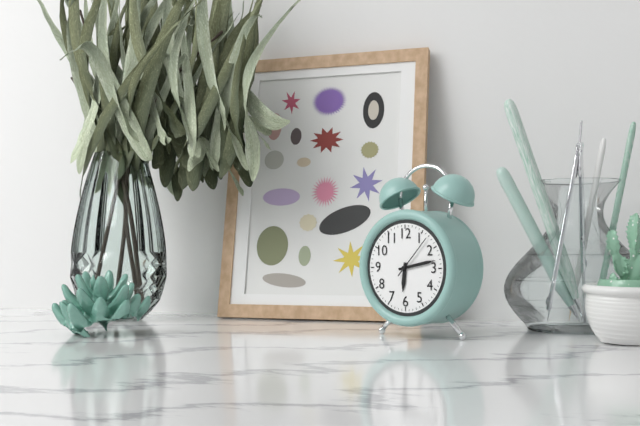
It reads 6:13
